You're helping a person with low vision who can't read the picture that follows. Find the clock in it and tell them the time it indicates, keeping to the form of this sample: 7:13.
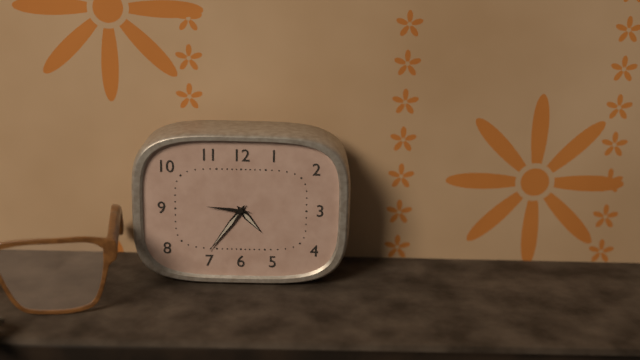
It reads 4:36
